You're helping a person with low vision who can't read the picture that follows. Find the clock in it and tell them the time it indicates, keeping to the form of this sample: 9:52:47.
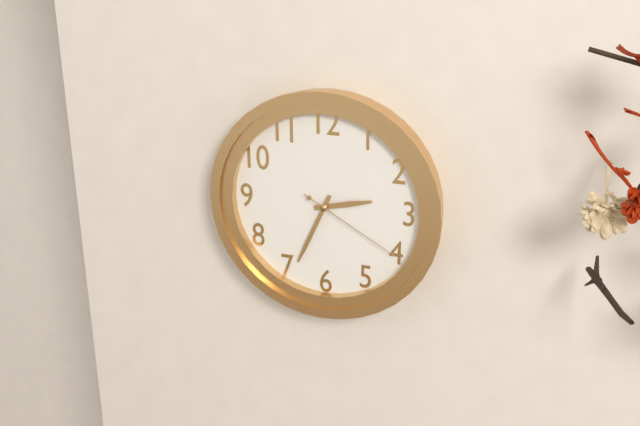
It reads 2:34:20
